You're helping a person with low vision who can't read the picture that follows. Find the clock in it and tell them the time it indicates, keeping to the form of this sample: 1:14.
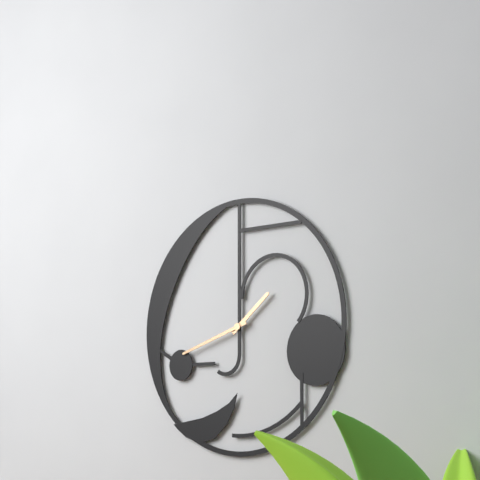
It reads 1:42
